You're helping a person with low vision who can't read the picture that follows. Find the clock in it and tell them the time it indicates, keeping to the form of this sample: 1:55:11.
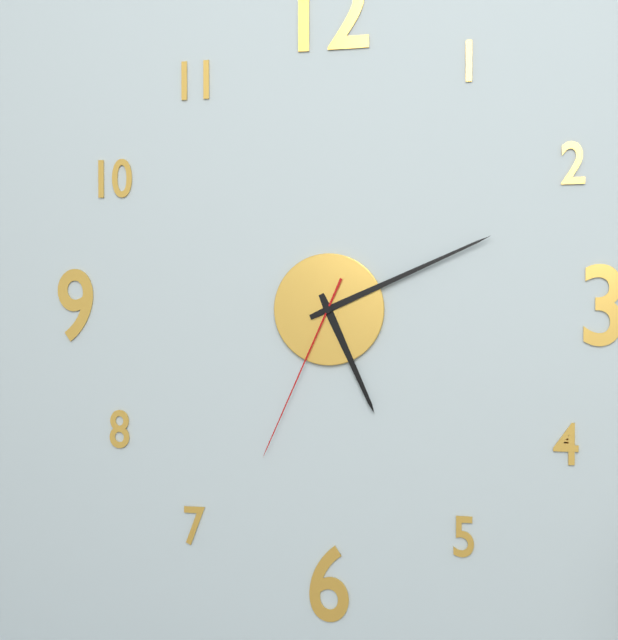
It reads 5:11:34
